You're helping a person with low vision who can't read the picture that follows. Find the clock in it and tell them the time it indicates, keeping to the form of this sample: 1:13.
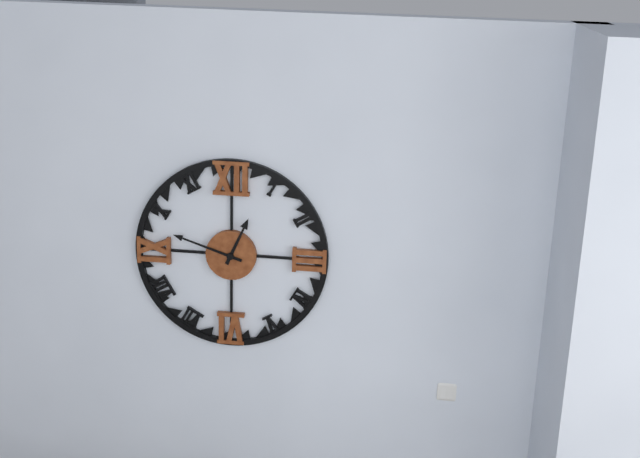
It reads 12:48
